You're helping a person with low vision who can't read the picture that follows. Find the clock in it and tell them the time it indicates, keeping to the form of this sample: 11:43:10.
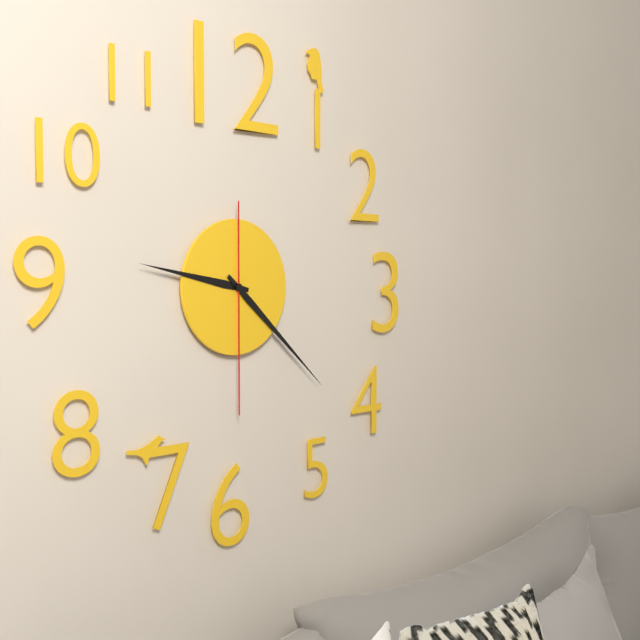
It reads 9:22:30
